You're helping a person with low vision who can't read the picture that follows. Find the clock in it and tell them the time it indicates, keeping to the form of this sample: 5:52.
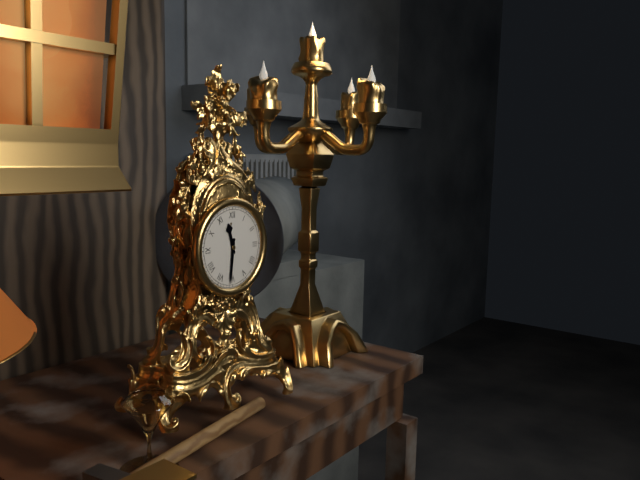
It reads 11:31
